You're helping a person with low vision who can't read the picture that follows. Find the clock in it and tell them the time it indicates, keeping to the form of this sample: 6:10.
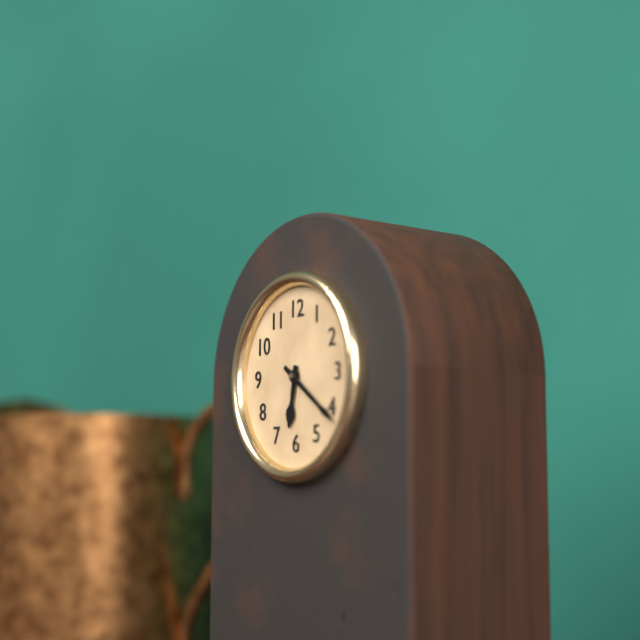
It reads 6:21
